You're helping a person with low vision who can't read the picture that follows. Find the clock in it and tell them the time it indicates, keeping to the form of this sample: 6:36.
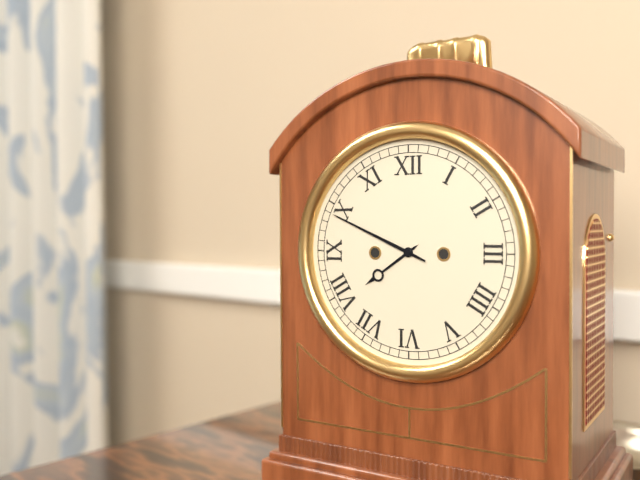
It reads 7:49
